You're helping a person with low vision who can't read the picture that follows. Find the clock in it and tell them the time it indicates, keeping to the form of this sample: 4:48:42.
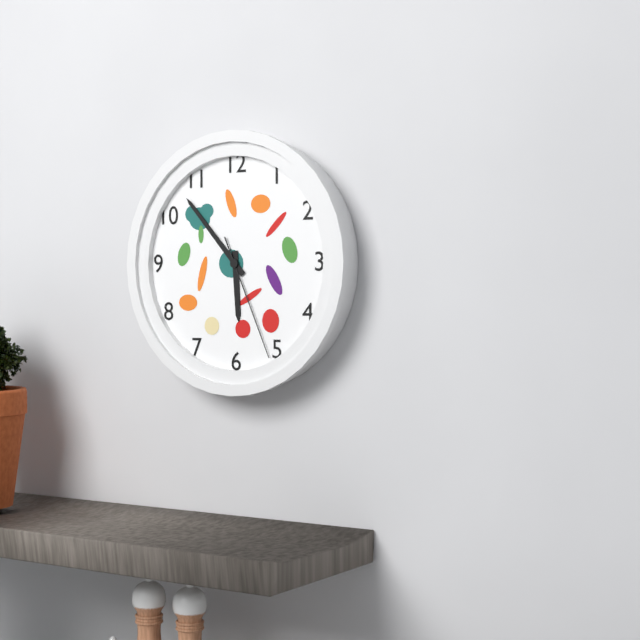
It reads 5:53:26
